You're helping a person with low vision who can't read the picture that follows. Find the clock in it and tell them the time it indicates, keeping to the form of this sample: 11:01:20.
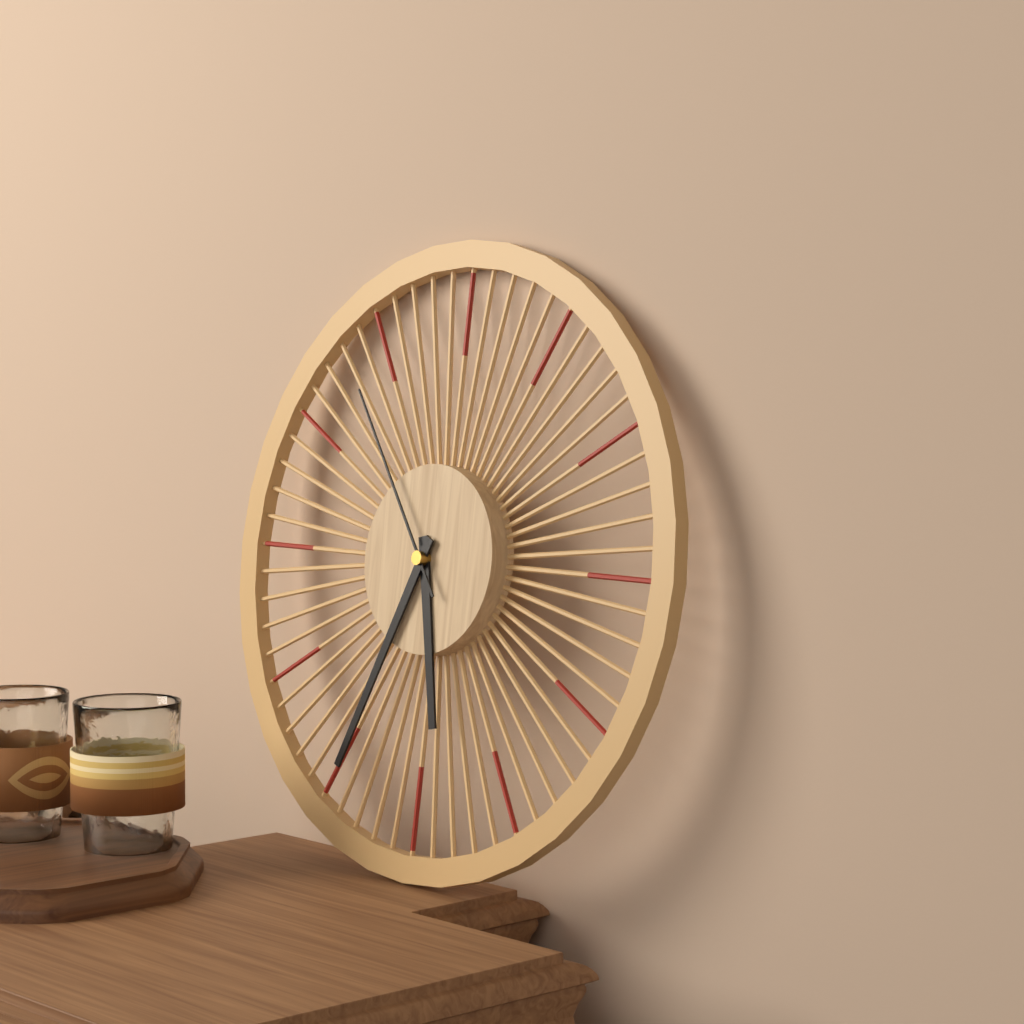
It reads 5:34:54
